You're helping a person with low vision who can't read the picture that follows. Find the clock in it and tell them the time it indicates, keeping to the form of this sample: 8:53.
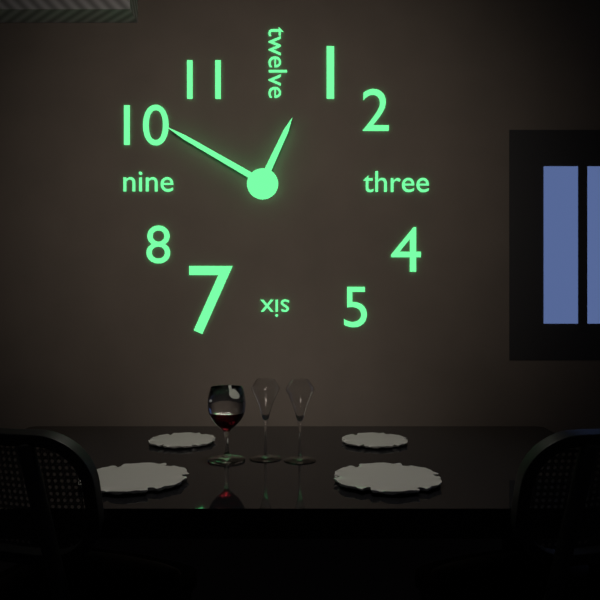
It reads 12:50
